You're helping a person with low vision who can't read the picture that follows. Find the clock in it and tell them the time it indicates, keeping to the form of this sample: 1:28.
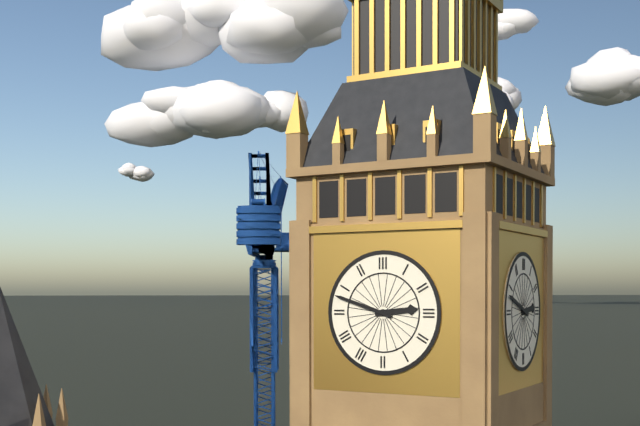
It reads 2:48
